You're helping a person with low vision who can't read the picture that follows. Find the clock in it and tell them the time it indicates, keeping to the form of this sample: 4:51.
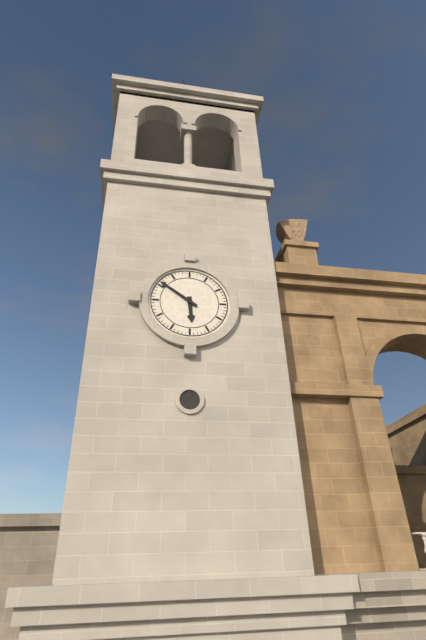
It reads 5:51
